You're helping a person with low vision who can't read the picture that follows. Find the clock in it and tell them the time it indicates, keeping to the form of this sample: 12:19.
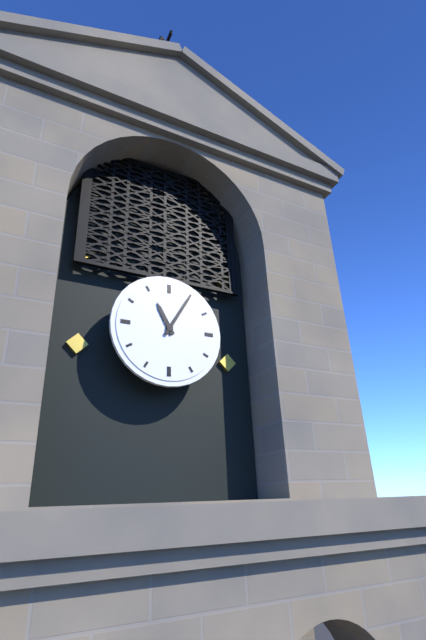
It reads 11:05
